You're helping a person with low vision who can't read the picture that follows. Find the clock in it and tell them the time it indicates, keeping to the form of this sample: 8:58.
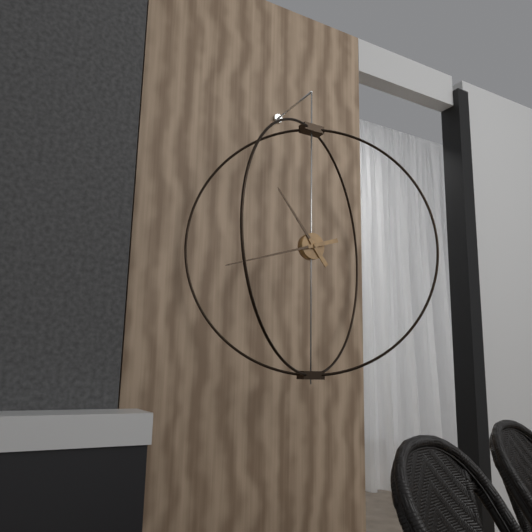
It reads 10:42
